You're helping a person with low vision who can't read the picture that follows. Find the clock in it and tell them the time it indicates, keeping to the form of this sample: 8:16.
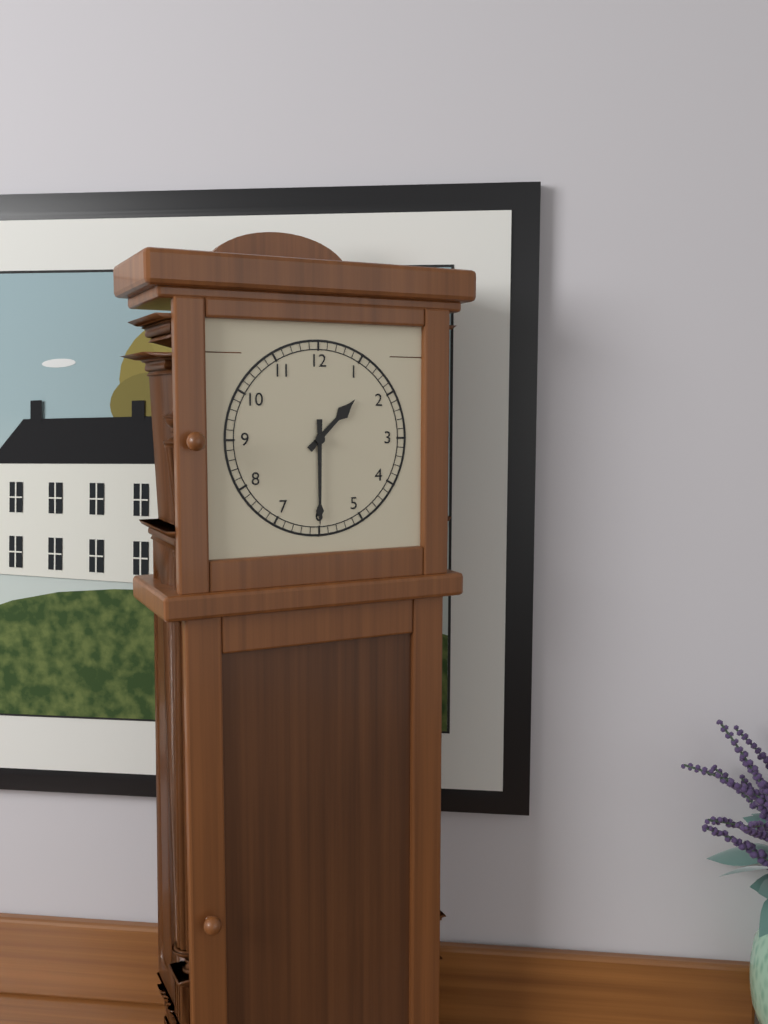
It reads 1:30
